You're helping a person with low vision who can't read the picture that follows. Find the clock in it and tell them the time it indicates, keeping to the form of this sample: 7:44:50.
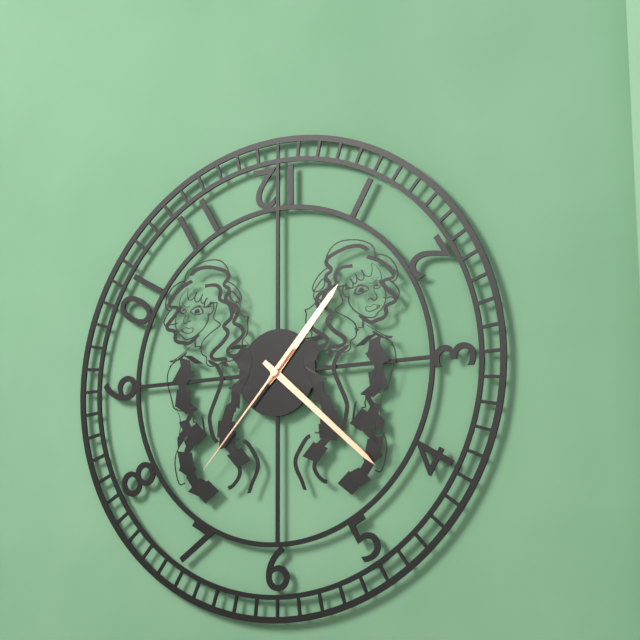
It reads 1:22:37
